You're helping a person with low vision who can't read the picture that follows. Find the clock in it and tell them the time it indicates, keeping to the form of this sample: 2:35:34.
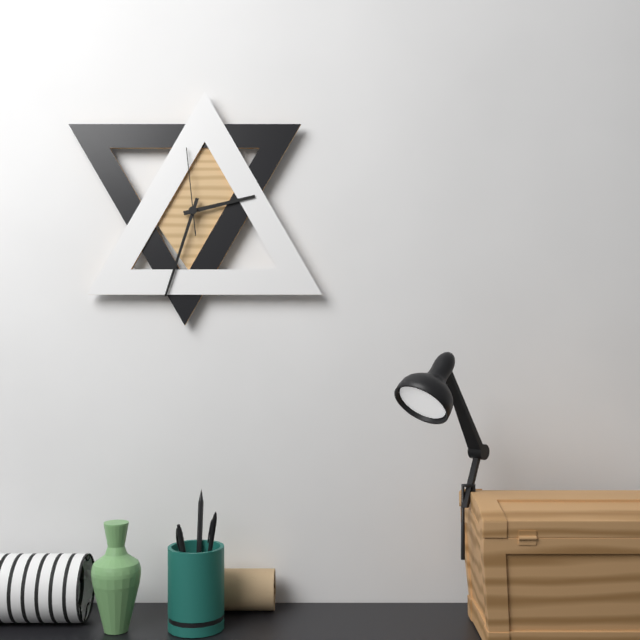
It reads 2:33:59
